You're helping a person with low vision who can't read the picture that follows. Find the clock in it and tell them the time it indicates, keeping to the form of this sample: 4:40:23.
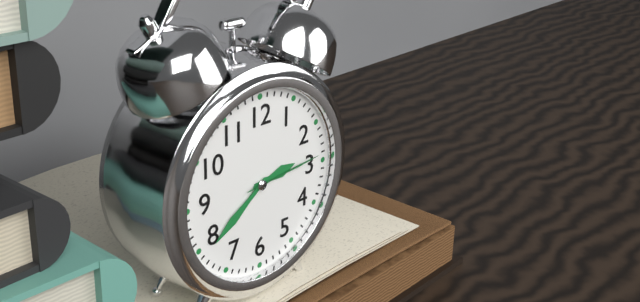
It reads 2:39:14
